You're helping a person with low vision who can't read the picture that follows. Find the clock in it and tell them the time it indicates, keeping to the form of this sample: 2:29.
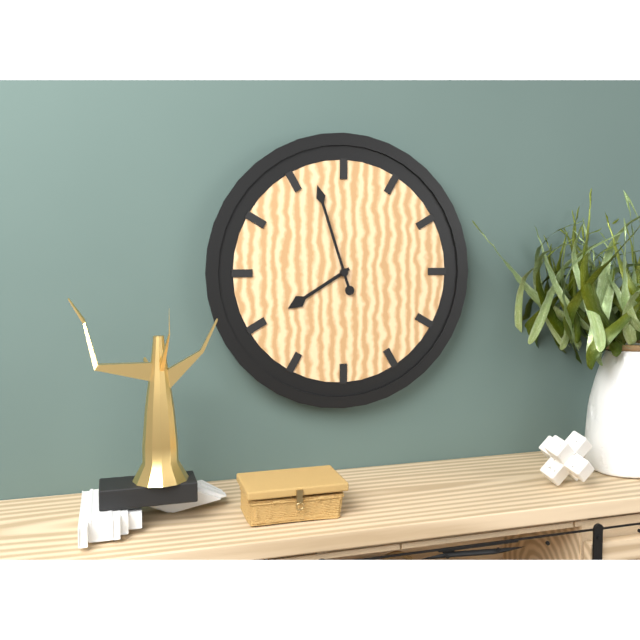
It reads 7:57
